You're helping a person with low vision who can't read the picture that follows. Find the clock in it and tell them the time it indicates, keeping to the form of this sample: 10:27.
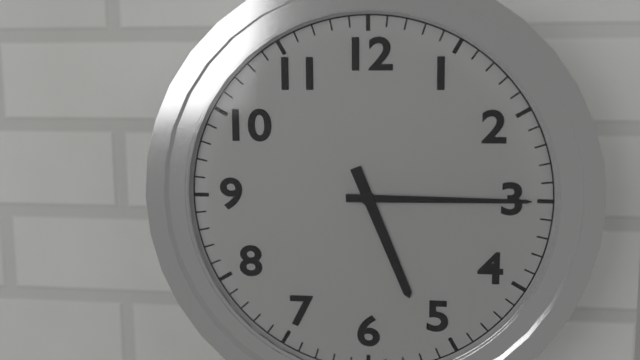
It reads 5:15
